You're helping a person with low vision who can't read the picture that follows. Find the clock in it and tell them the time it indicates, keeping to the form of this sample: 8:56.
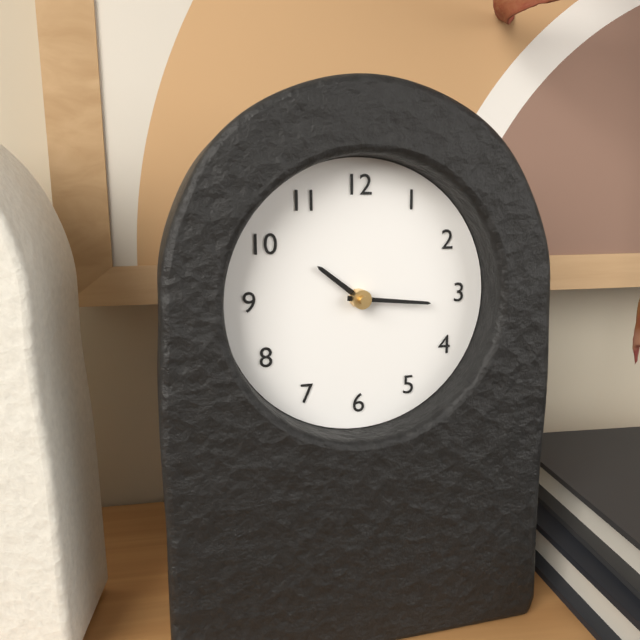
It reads 10:16
